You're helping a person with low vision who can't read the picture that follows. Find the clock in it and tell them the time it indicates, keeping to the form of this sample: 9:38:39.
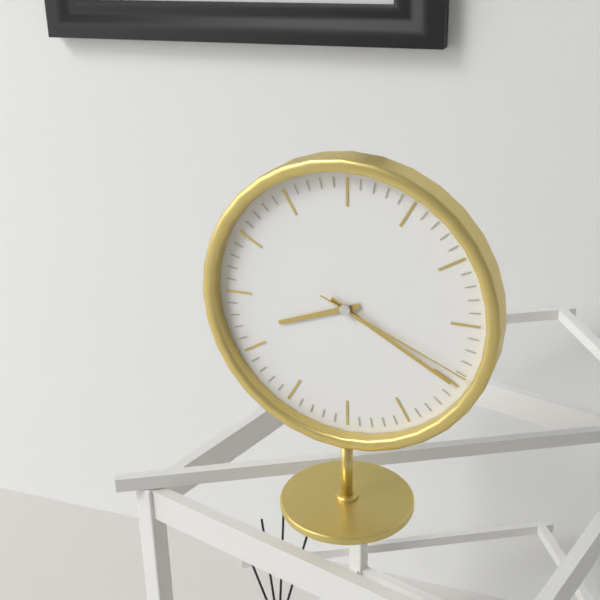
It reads 8:20:19
